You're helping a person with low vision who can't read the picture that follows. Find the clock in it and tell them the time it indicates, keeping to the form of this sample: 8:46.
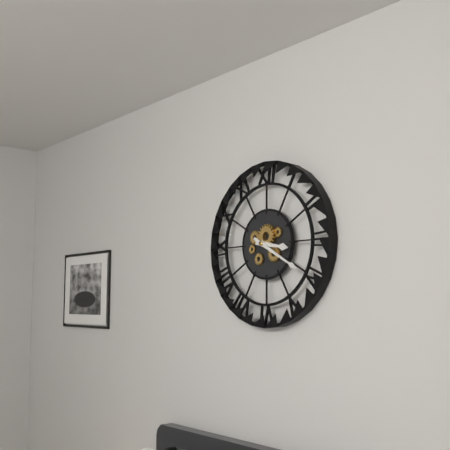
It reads 3:20
